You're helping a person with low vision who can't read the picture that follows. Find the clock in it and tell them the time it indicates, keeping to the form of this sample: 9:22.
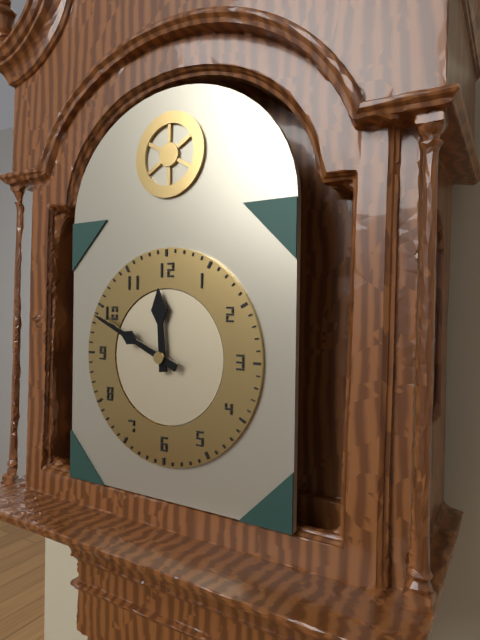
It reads 11:49
